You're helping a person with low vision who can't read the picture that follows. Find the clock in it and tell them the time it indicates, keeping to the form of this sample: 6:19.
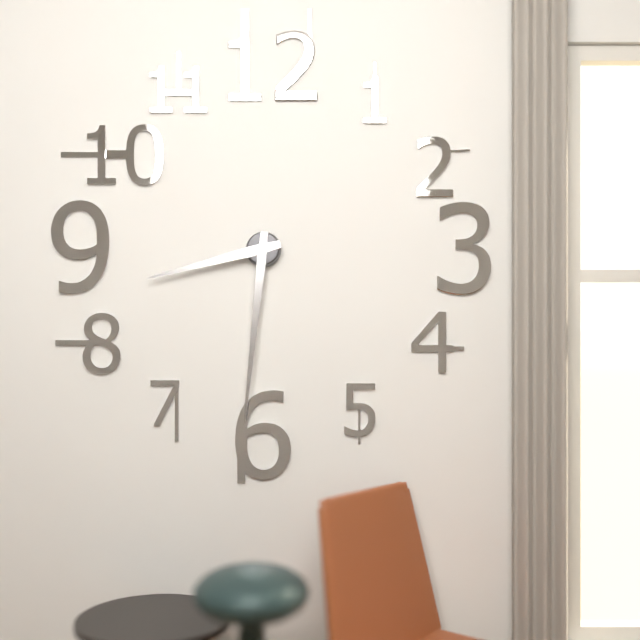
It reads 8:31
